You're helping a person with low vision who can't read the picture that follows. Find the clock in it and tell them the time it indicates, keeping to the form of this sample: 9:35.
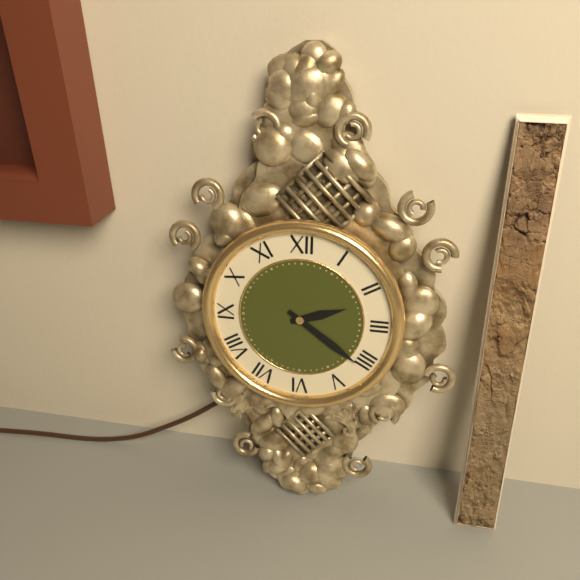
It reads 2:21
